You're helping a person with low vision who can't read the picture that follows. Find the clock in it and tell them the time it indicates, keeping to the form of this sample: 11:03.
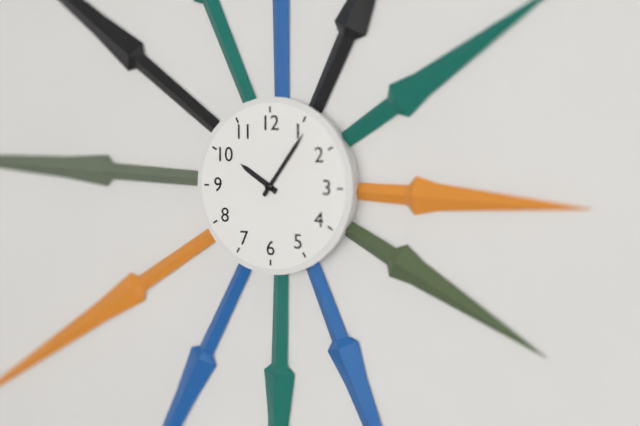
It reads 10:06
